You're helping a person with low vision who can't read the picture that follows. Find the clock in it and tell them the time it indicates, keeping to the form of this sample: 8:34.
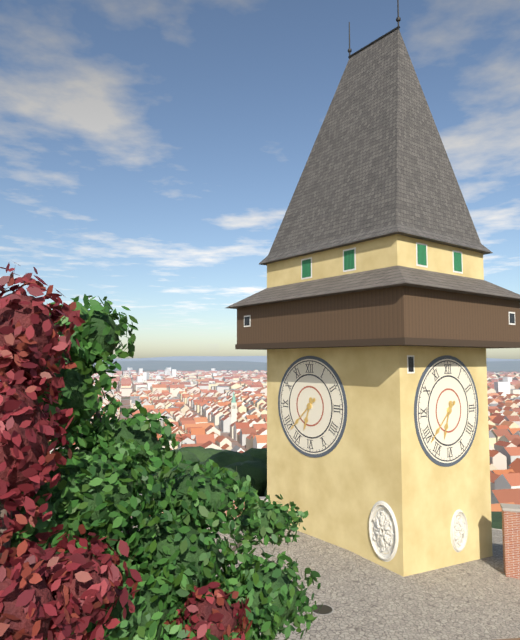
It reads 6:38
